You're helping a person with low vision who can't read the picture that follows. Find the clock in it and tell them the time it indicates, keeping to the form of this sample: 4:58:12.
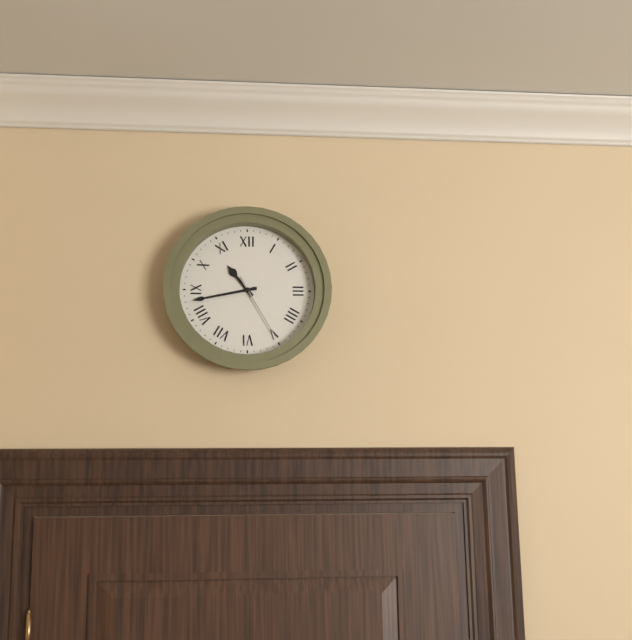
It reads 10:43:25
